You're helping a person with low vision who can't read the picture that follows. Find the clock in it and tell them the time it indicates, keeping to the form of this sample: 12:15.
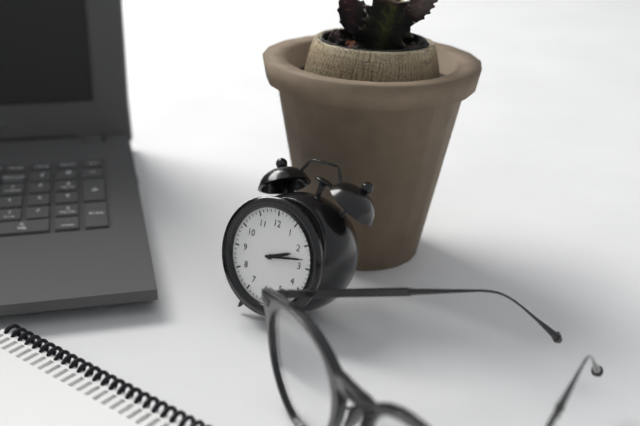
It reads 2:13
